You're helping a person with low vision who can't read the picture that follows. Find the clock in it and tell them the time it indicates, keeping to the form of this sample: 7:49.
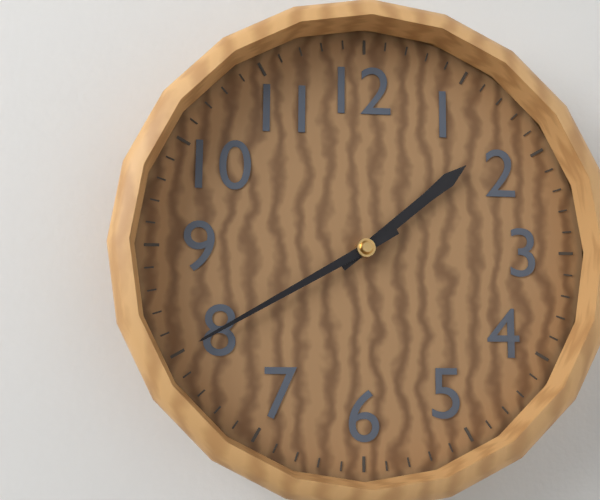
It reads 1:40
